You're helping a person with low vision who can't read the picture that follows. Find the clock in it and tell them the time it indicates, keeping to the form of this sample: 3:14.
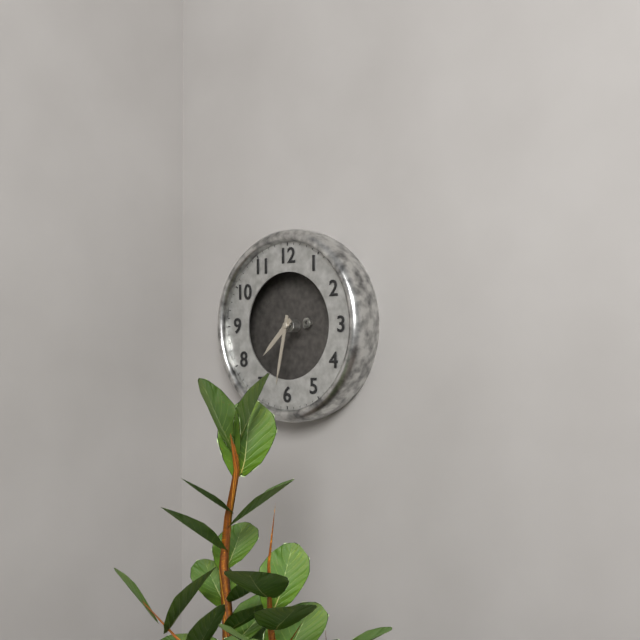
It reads 7:32
